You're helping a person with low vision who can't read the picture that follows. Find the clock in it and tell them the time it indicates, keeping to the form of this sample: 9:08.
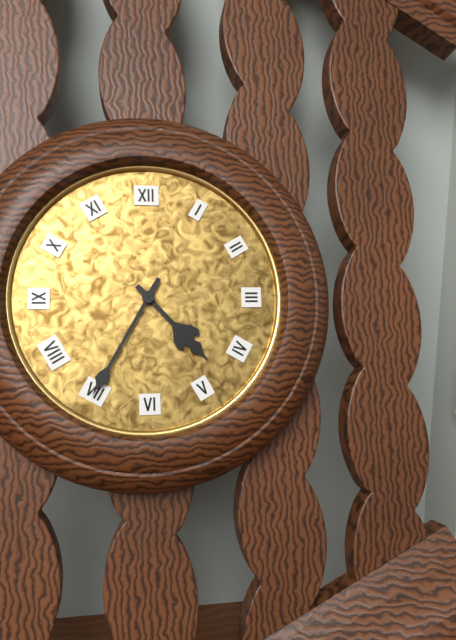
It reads 4:35
